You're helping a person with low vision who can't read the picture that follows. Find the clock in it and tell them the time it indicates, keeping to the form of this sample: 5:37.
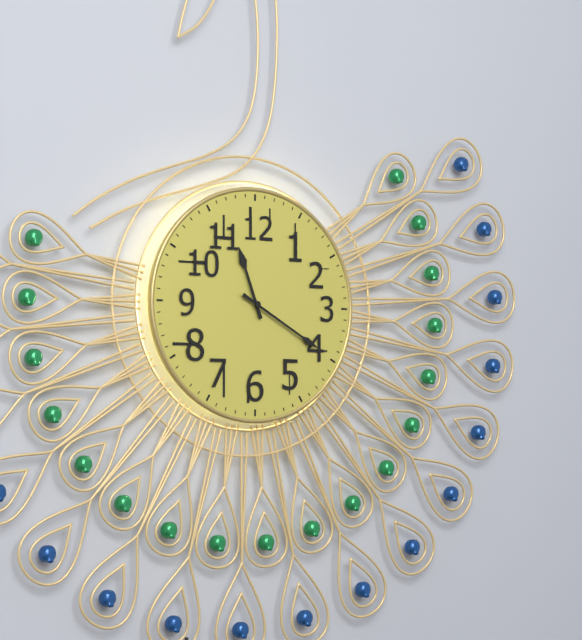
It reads 11:20
